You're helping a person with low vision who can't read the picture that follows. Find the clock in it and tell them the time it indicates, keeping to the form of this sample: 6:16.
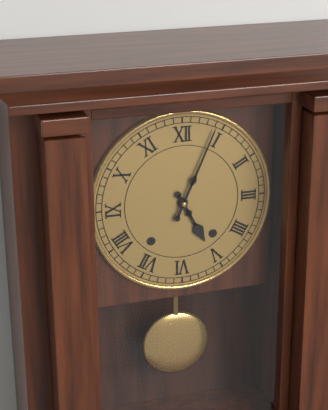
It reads 5:04
